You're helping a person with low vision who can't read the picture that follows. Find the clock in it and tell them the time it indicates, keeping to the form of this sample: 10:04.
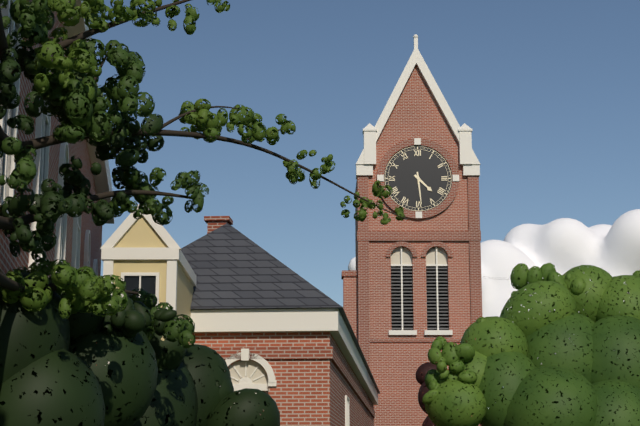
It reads 4:29
